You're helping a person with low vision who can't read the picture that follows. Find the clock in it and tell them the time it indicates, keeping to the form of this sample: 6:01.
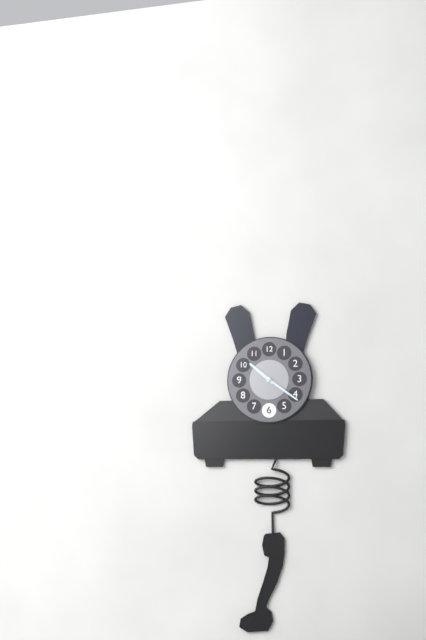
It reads 10:21
